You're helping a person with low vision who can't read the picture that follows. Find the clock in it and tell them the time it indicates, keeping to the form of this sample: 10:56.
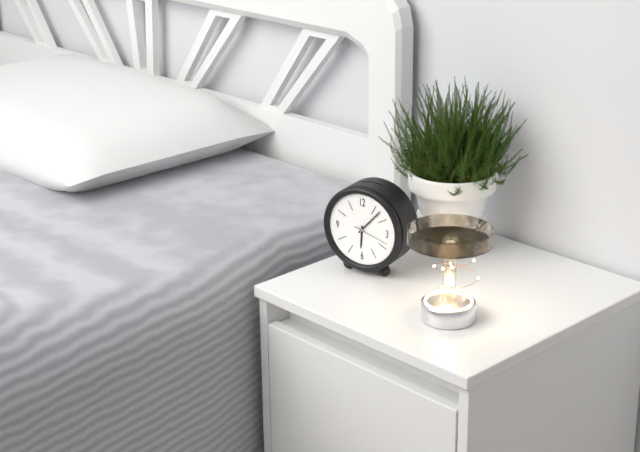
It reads 6:07
